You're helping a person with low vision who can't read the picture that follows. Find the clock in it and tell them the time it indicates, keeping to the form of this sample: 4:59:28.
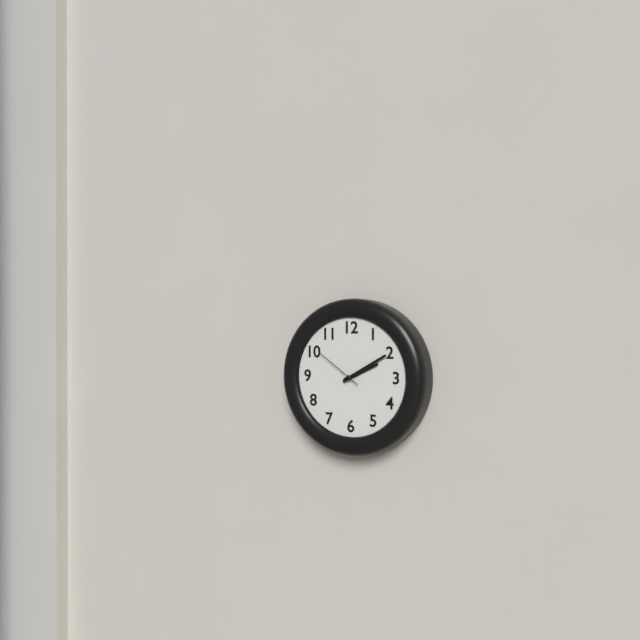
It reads 2:10:51
